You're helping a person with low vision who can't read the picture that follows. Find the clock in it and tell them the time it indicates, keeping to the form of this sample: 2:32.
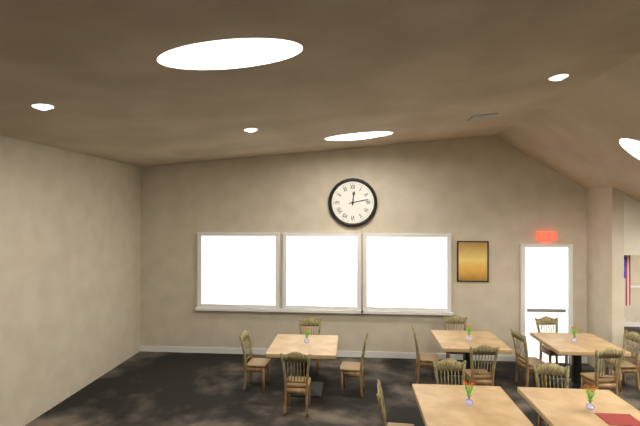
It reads 12:13
